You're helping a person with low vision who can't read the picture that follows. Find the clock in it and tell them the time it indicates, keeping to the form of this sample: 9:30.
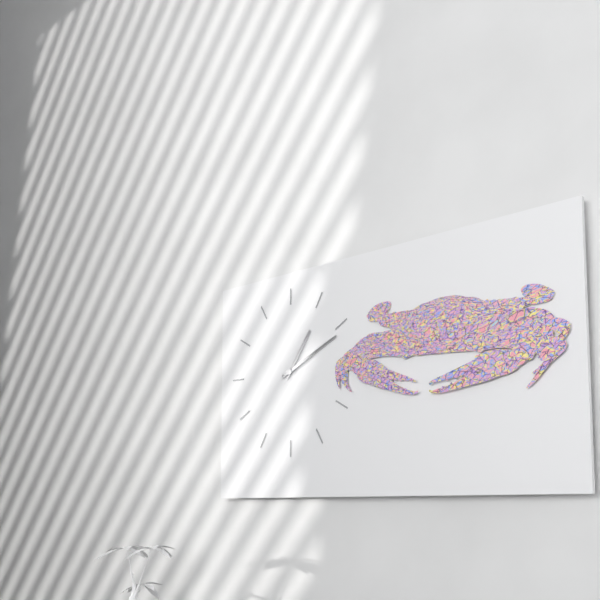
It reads 1:11
